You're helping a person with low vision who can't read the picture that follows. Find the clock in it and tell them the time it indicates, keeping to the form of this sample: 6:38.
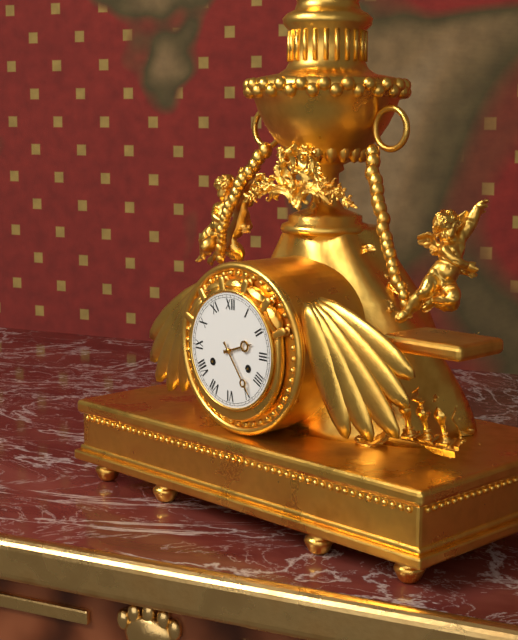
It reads 2:24
